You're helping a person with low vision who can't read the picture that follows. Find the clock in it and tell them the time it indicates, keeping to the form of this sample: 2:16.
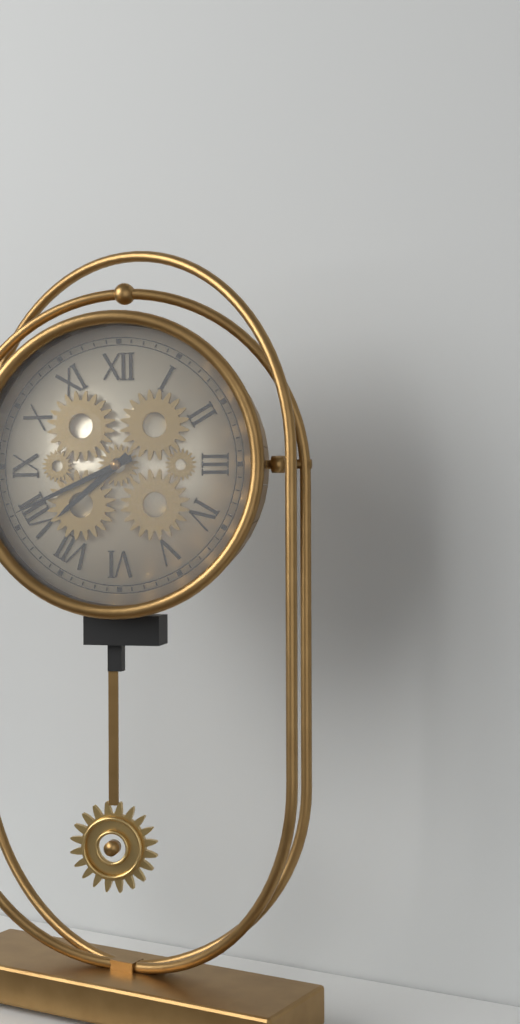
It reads 7:41
